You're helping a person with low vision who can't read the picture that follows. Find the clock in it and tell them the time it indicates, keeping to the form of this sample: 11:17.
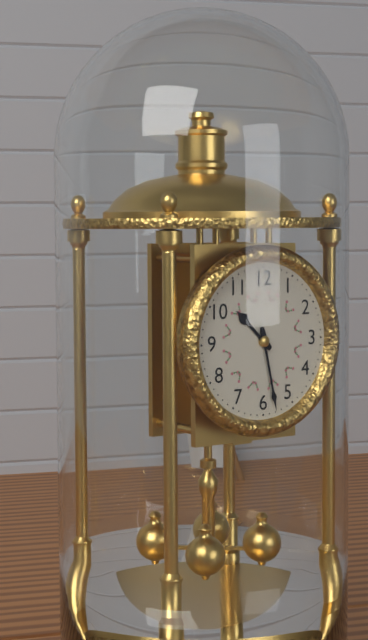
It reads 10:28
